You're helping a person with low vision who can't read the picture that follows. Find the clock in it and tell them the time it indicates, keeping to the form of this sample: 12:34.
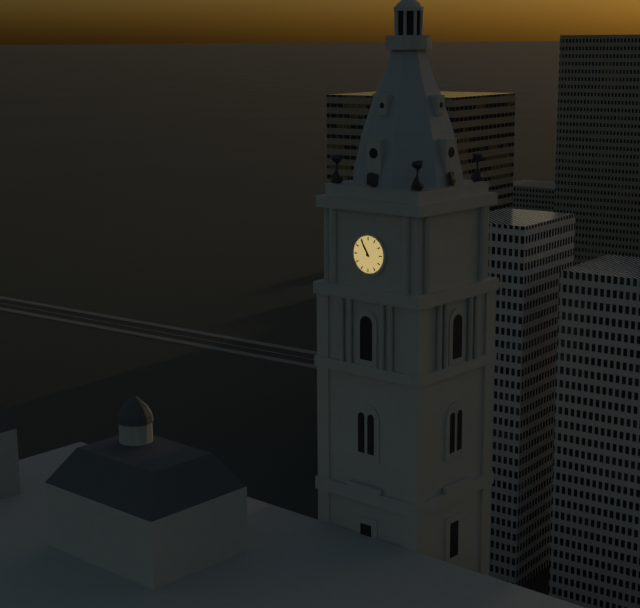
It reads 10:55
